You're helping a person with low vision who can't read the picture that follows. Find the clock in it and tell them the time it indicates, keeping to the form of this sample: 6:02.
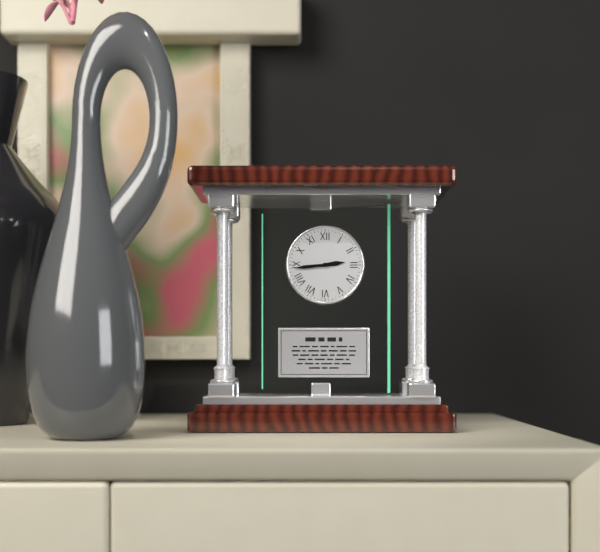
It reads 2:44
